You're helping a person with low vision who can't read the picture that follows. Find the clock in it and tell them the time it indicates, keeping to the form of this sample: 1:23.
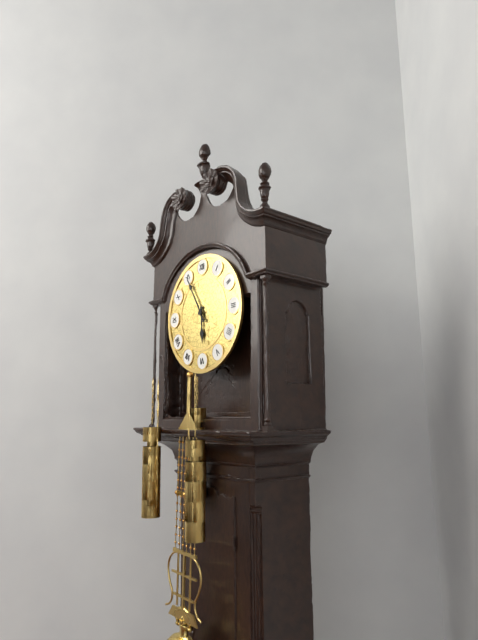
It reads 5:55
